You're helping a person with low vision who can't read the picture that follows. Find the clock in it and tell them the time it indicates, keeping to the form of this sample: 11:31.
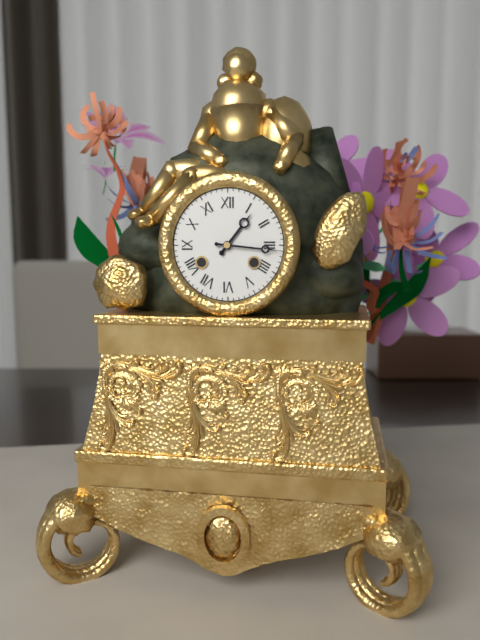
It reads 1:16
